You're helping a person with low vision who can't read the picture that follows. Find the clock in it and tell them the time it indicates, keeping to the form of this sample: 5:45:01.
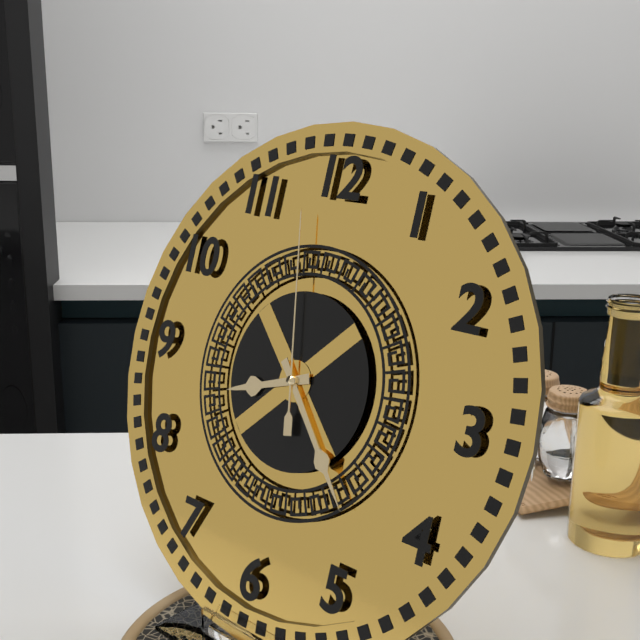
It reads 8:23:58
